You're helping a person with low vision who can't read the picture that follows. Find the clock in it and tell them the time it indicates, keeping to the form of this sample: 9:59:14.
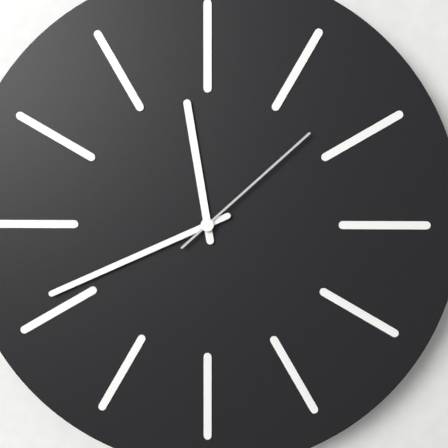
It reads 11:41:08
